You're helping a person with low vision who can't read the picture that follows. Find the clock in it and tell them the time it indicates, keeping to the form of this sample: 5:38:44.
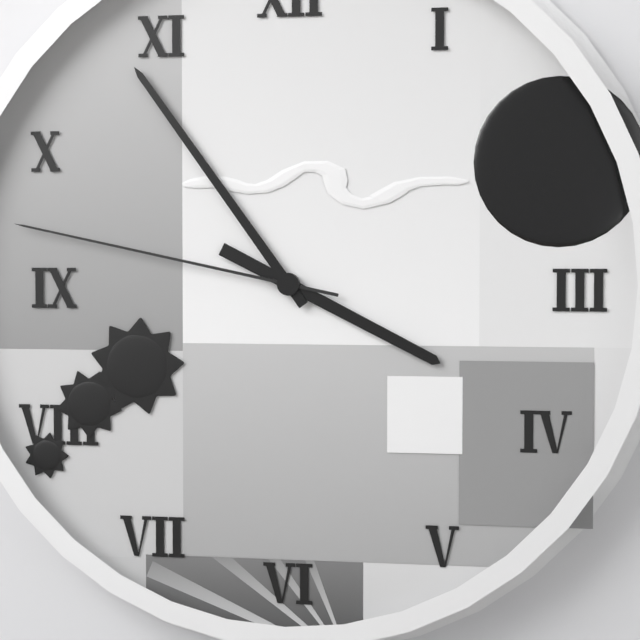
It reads 3:54:47
